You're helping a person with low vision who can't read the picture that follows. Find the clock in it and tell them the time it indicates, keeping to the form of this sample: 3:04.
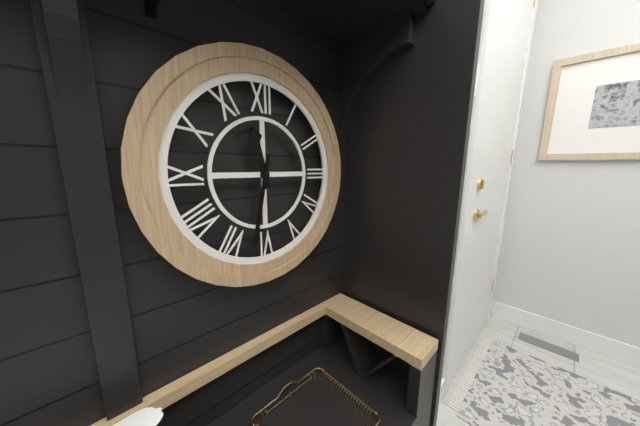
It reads 11:32
